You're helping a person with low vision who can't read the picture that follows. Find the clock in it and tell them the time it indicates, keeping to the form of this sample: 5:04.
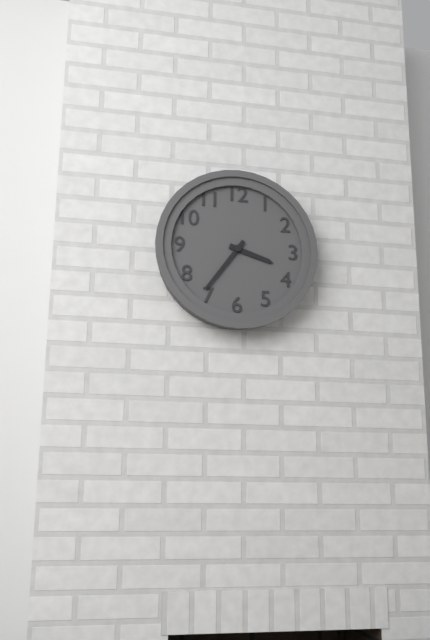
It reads 3:36
